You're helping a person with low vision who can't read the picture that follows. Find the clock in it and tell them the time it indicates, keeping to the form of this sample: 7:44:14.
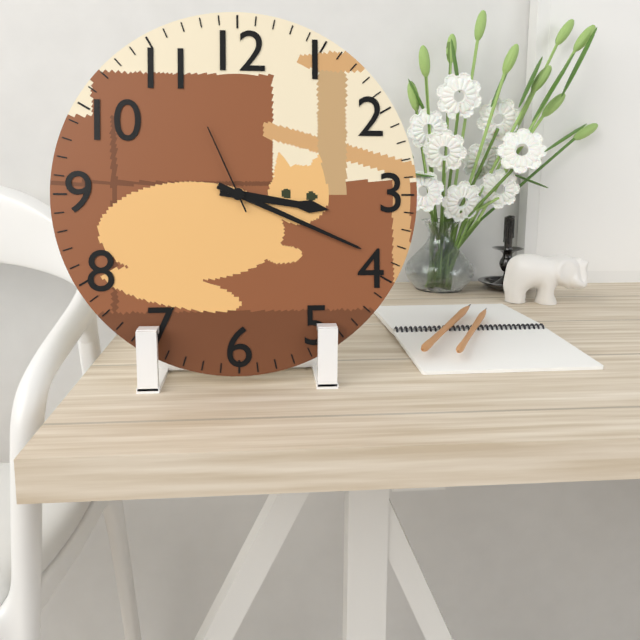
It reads 3:19:56
